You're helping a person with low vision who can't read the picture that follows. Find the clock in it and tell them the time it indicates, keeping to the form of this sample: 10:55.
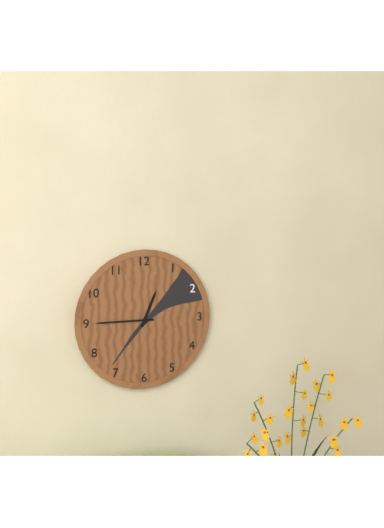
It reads 12:45
